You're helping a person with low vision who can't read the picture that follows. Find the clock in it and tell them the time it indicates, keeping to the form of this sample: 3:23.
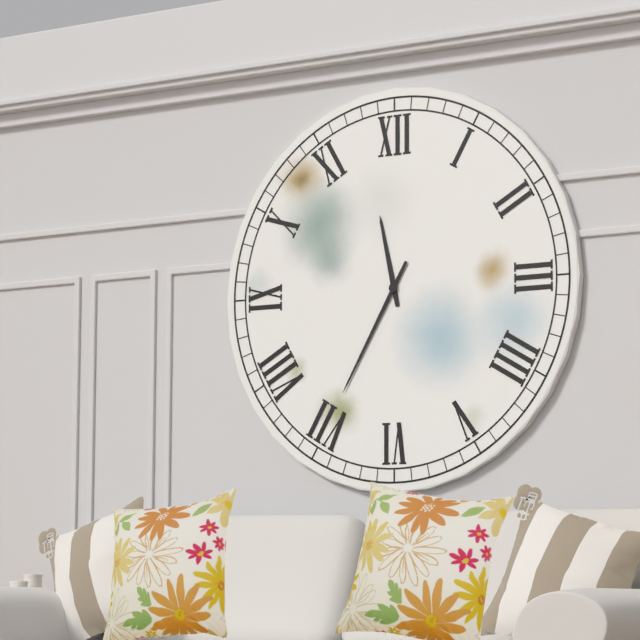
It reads 11:35
